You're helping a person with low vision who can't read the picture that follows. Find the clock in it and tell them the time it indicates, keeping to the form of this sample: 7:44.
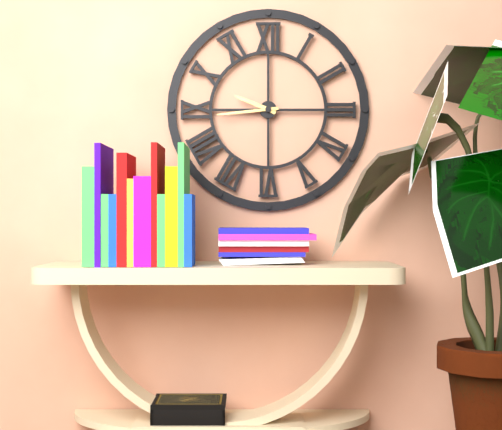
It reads 9:44
